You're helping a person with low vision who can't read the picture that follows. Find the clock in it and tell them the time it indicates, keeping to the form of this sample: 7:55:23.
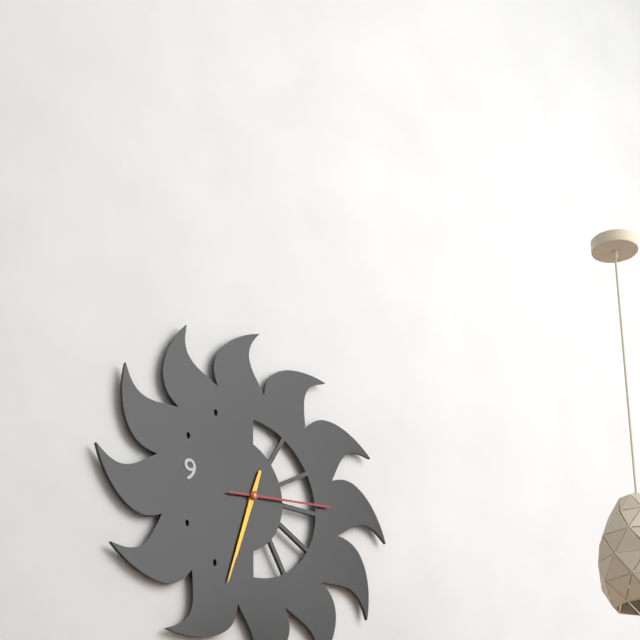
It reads 6:33:14
